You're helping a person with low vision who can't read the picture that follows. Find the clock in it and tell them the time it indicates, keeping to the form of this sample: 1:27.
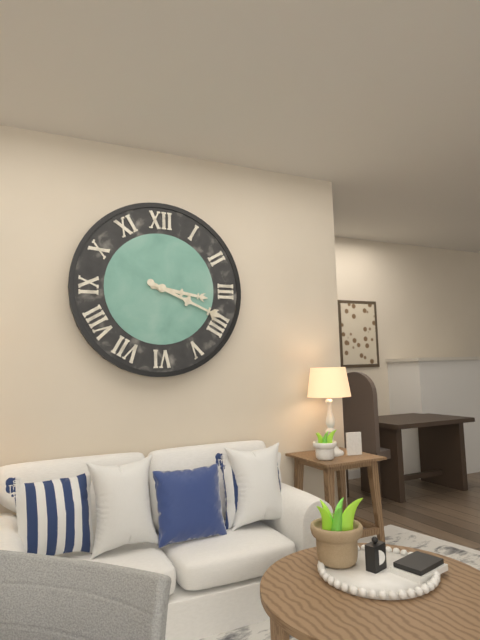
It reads 3:19
